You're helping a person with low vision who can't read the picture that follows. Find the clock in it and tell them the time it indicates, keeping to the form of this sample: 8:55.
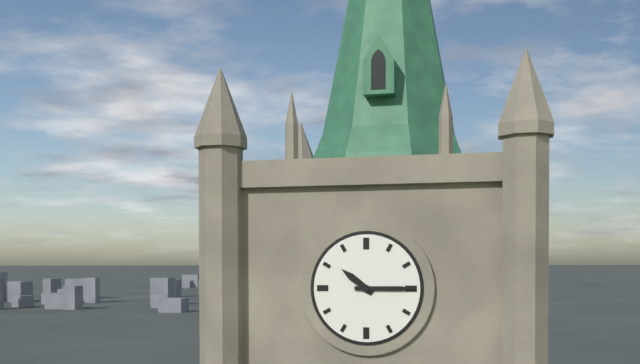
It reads 10:15
